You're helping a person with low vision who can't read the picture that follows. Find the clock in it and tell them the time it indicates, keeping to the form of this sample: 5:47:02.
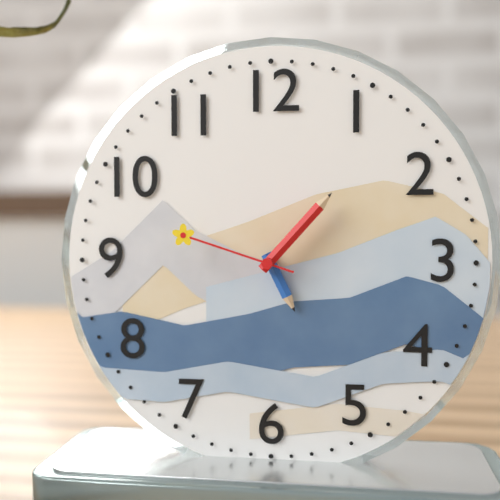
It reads 5:07:48
